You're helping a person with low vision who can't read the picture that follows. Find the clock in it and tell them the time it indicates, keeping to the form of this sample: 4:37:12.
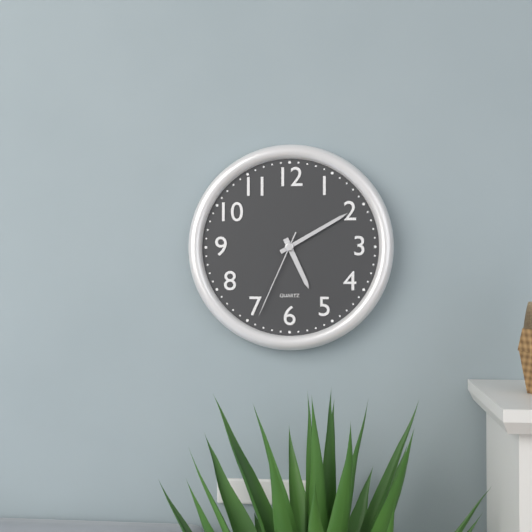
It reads 5:10:34
